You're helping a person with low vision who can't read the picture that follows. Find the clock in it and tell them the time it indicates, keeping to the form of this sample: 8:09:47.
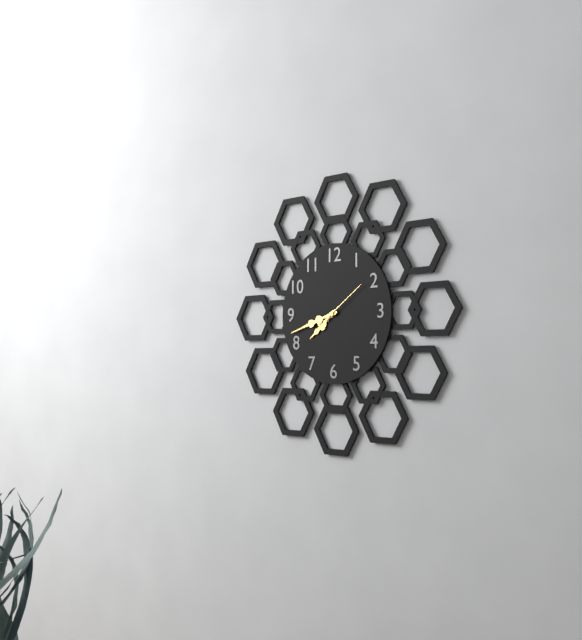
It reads 7:42:09
